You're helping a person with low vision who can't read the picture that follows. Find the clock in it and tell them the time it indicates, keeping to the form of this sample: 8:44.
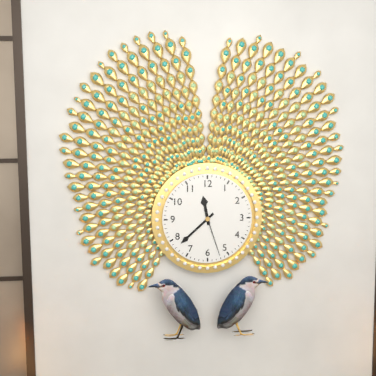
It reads 11:38
